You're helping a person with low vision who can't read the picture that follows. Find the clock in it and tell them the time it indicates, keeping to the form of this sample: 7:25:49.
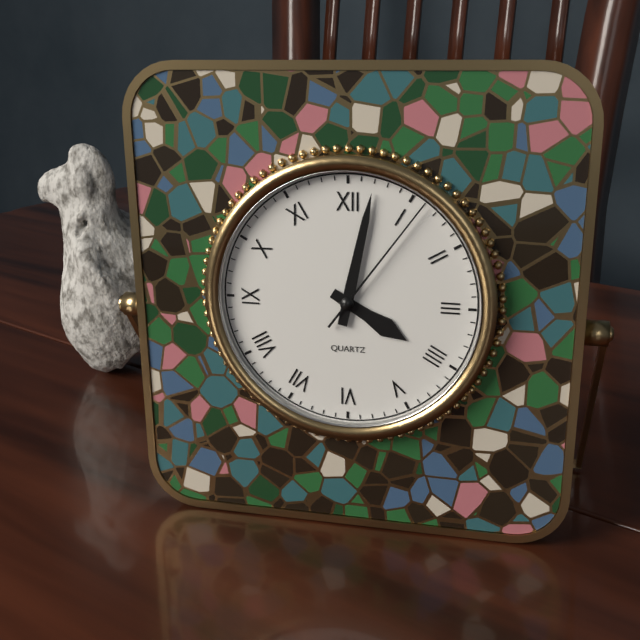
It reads 4:02:06
